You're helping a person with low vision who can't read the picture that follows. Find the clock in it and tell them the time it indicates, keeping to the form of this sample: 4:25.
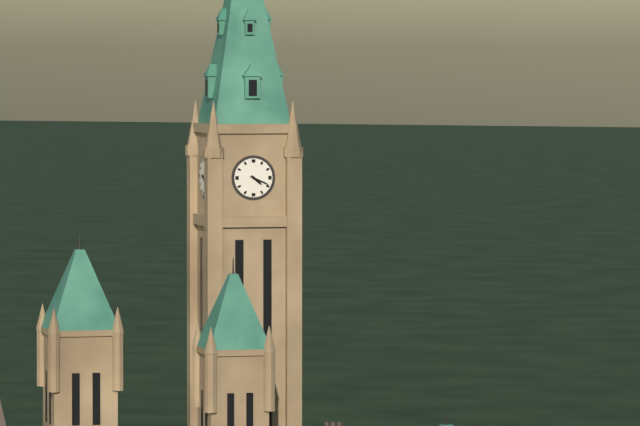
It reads 4:19
